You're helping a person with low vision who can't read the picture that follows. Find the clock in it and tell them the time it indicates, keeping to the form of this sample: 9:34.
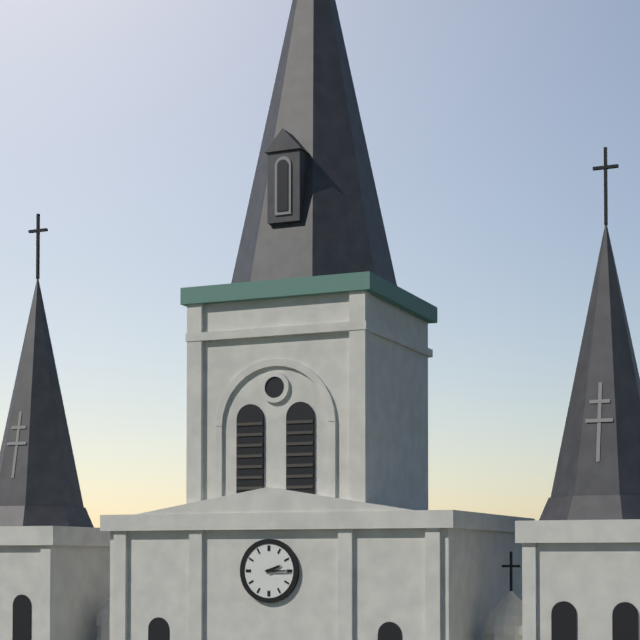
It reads 2:15
